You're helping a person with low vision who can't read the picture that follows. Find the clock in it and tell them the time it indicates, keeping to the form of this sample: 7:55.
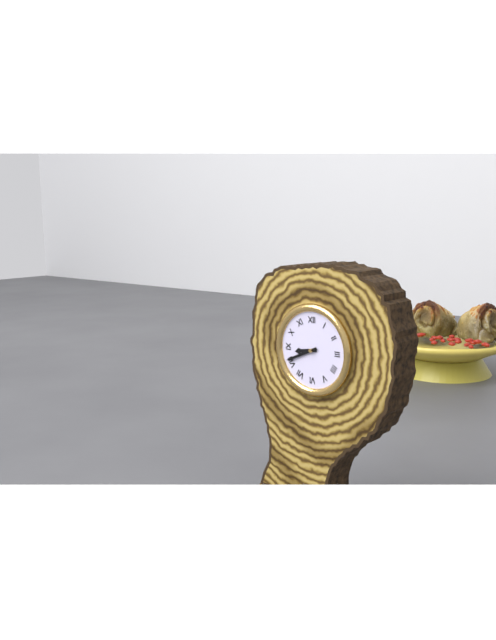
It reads 8:41
